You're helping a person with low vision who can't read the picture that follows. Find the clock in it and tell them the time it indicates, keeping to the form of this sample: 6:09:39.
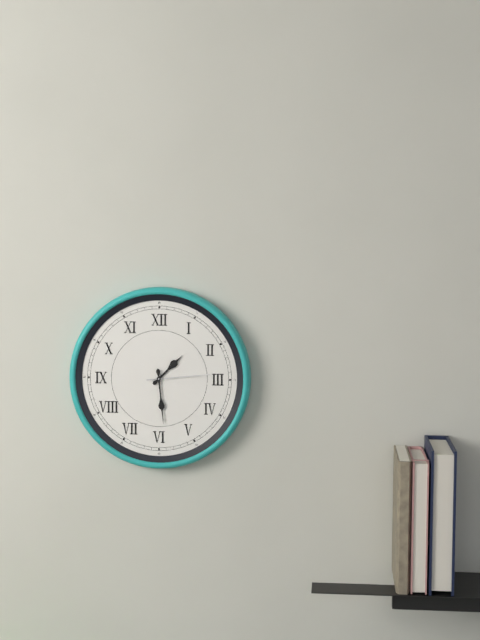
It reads 1:29:14
